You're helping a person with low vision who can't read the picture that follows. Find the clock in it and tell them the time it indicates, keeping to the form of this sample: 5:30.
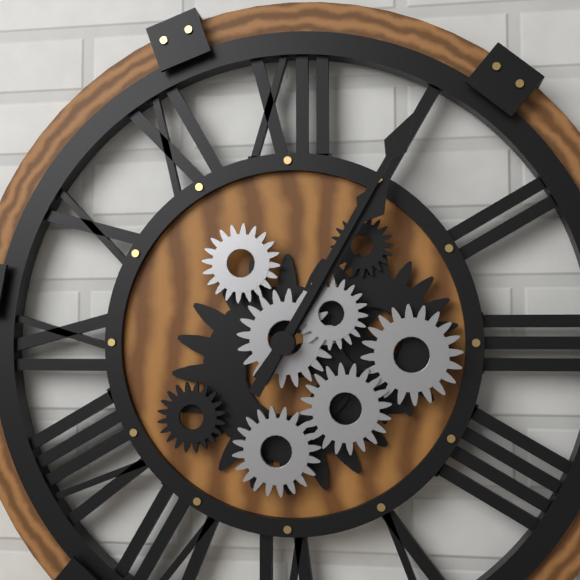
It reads 1:05
